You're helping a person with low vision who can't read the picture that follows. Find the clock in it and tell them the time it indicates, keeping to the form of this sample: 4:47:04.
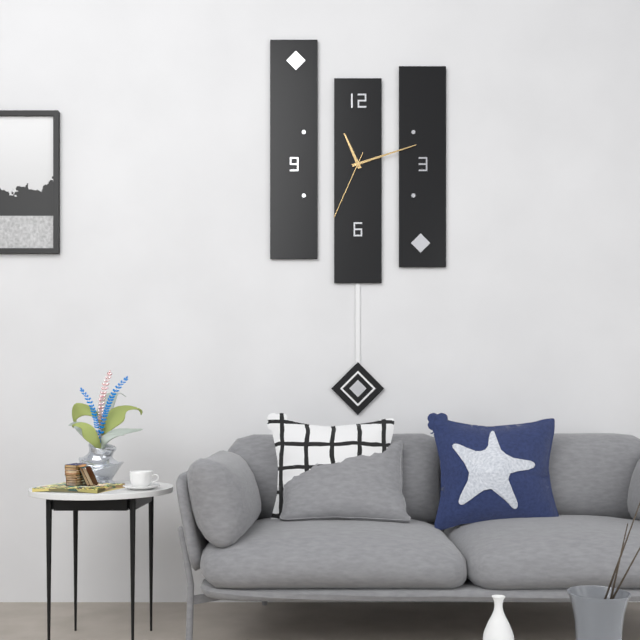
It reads 11:12:34
